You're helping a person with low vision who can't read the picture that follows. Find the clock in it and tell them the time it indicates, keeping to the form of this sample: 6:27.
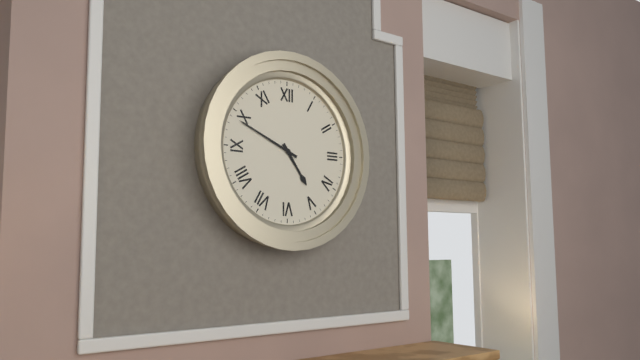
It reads 4:49
